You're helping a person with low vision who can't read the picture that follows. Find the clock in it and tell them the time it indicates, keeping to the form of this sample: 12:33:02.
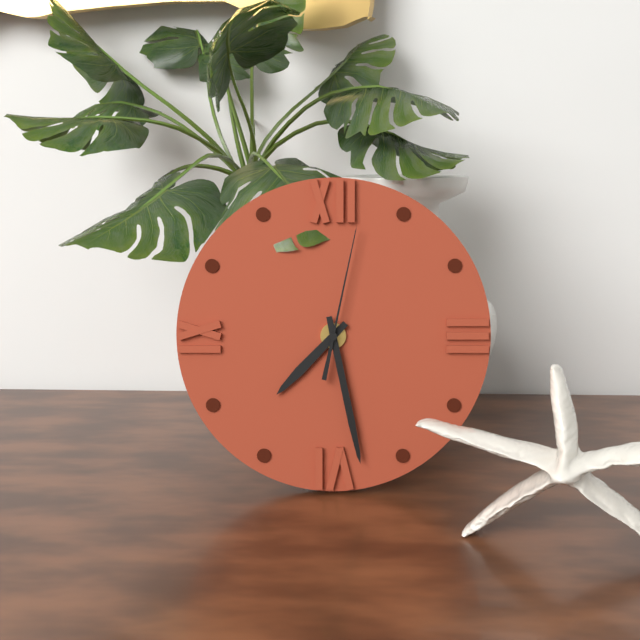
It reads 7:28:02
